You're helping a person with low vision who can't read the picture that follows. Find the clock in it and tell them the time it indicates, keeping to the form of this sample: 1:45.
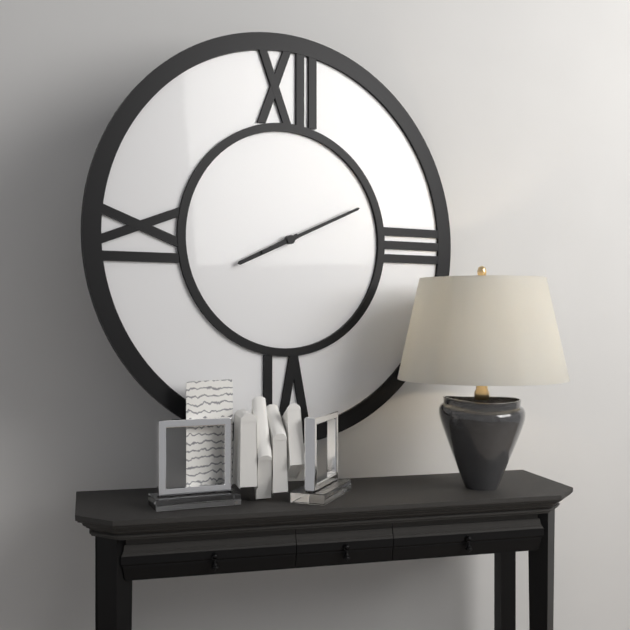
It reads 8:11
